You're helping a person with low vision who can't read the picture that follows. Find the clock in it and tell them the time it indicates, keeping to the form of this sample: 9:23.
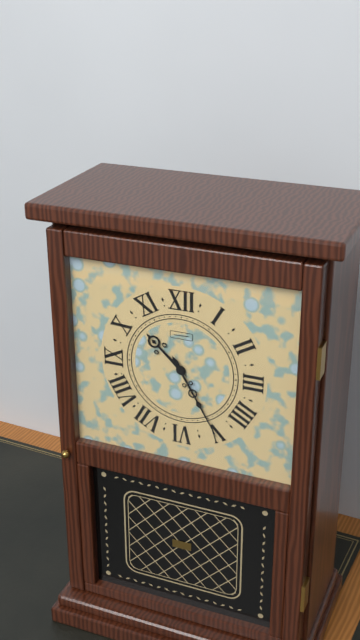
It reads 10:25
